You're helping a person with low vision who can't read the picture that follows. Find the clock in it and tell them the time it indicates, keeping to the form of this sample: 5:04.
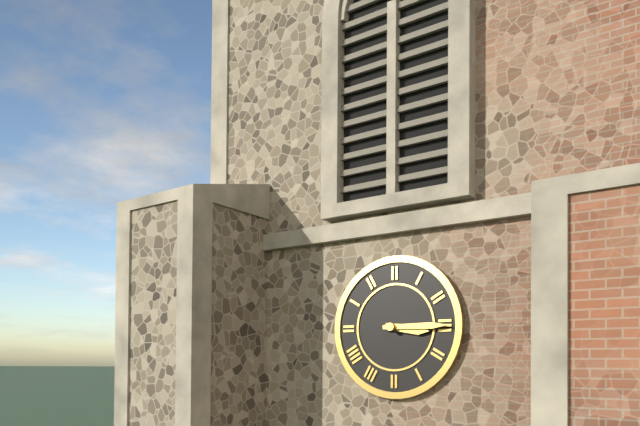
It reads 3:15
